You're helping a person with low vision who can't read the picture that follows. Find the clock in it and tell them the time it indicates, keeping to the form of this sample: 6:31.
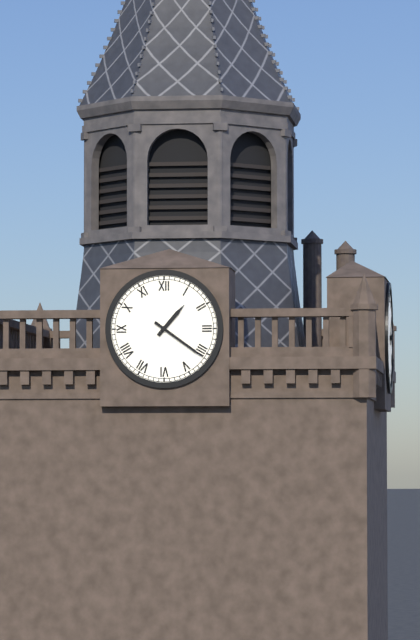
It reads 1:21
